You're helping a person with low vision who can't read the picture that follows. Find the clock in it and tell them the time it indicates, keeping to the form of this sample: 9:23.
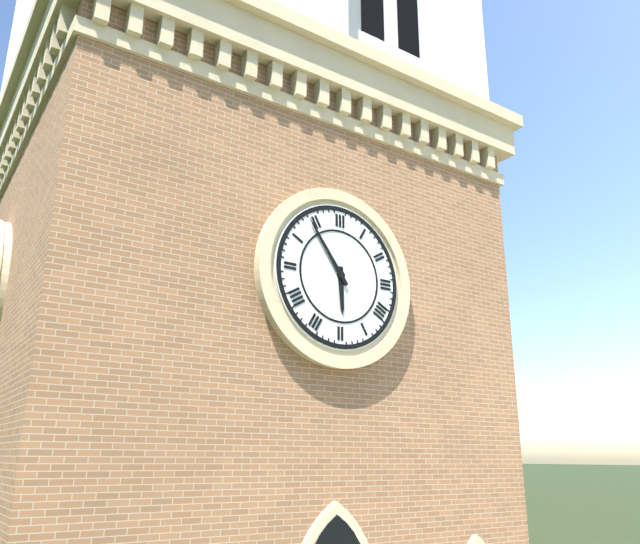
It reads 5:54
